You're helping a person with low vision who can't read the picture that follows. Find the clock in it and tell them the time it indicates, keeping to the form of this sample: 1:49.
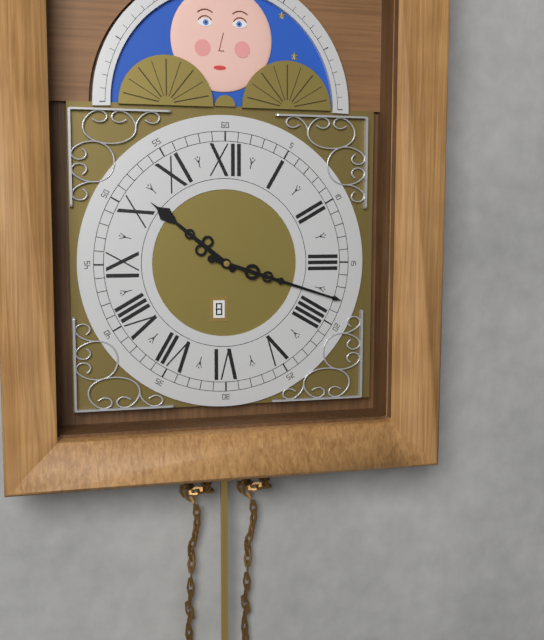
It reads 10:18
